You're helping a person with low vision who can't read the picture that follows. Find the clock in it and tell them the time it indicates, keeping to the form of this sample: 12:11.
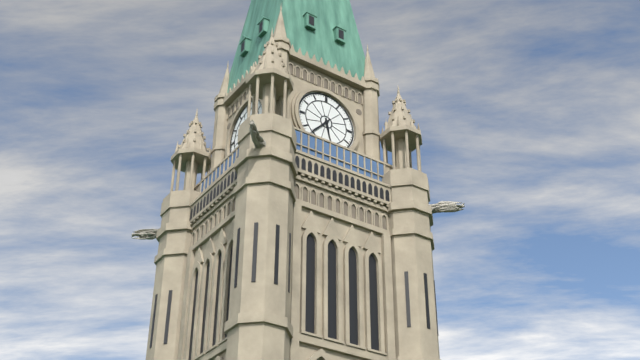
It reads 5:37
